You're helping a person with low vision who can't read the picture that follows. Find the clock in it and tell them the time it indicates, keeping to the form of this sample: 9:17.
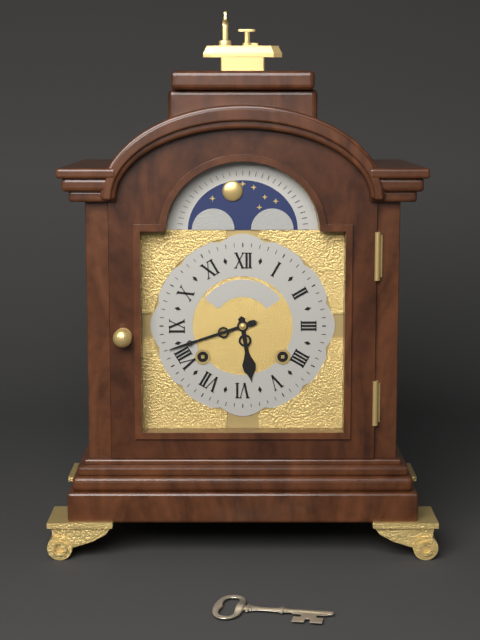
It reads 5:42
